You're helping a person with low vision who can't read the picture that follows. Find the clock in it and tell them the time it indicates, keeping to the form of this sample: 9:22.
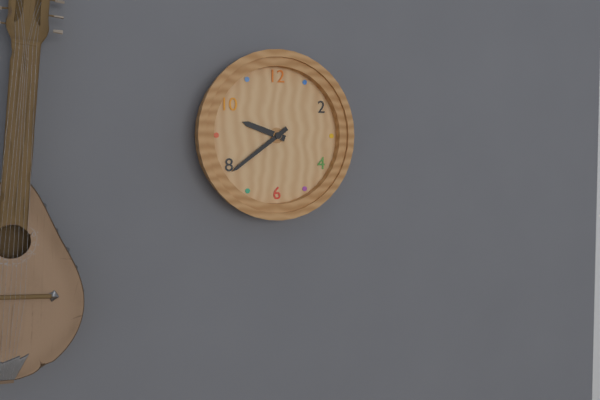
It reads 9:39
